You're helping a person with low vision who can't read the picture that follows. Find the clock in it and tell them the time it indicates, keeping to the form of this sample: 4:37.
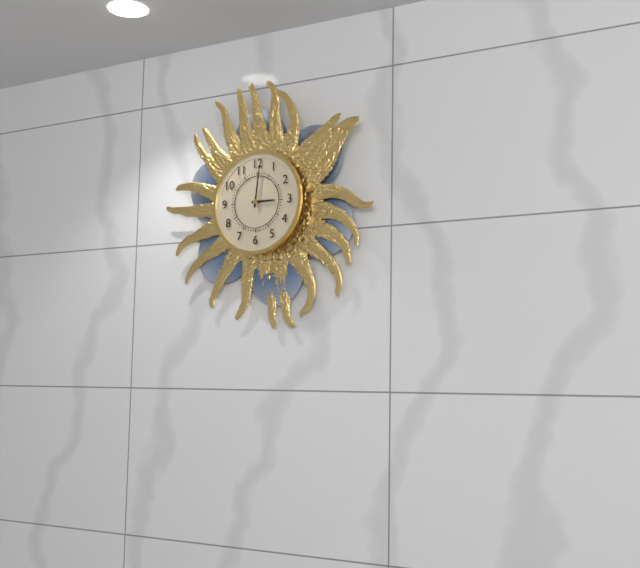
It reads 3:01
